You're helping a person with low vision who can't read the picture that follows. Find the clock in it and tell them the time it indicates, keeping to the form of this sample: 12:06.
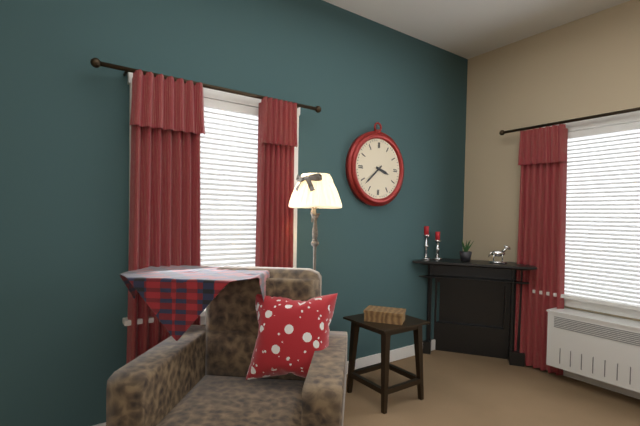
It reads 3:38
